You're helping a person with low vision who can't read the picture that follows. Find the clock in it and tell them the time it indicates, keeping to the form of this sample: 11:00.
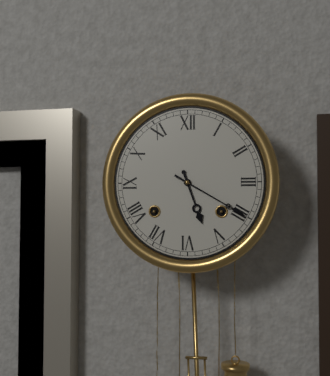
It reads 5:20
